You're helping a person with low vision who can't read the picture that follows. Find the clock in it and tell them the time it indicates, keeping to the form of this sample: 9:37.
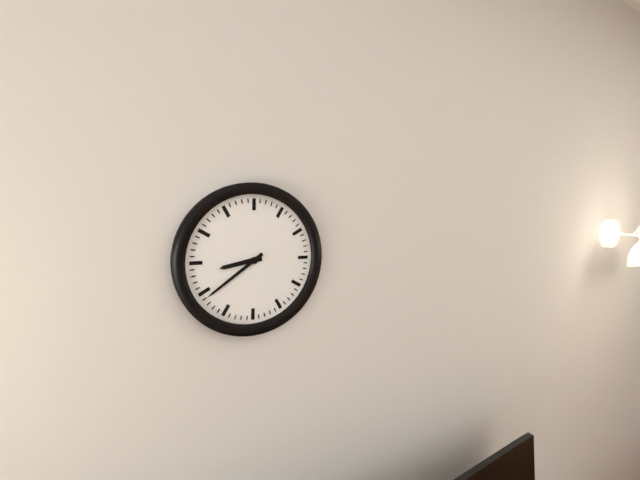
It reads 8:39
